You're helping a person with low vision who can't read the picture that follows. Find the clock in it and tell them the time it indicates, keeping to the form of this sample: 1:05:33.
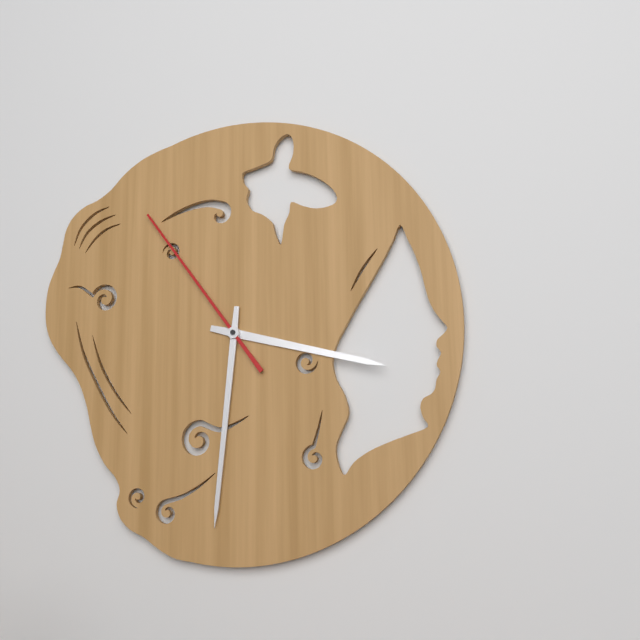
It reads 3:31:54
